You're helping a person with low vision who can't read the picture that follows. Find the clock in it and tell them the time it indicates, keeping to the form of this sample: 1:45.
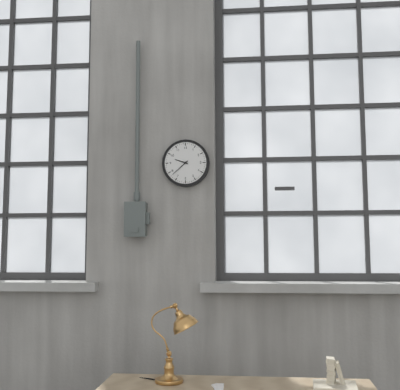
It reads 9:38
